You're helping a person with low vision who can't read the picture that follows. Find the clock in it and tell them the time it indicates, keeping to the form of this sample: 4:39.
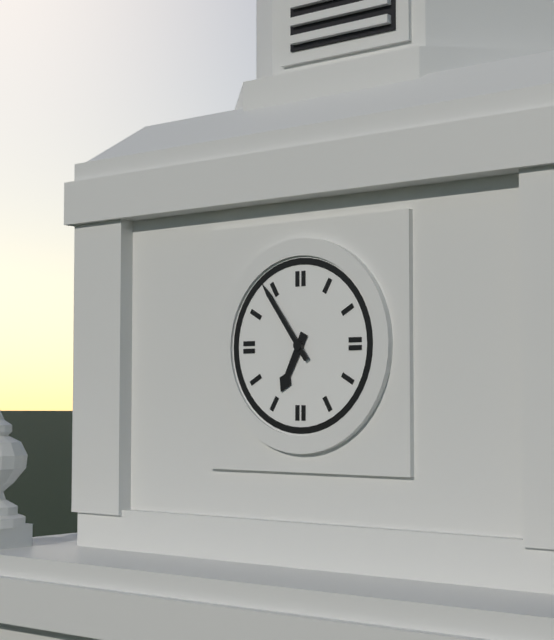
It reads 6:54
